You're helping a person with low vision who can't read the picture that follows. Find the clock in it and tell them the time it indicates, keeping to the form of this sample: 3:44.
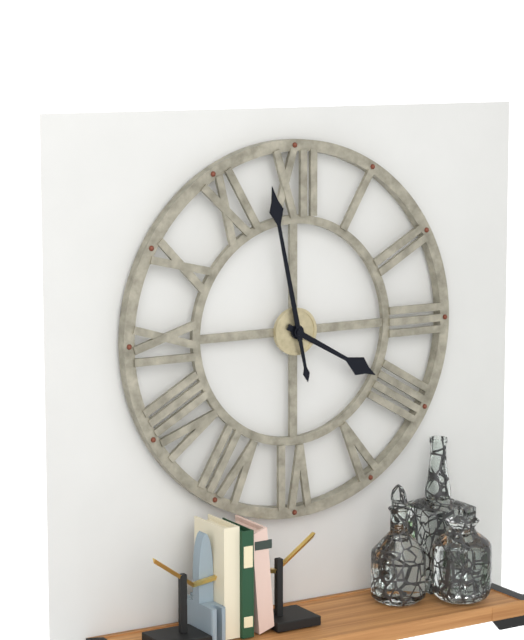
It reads 3:58
